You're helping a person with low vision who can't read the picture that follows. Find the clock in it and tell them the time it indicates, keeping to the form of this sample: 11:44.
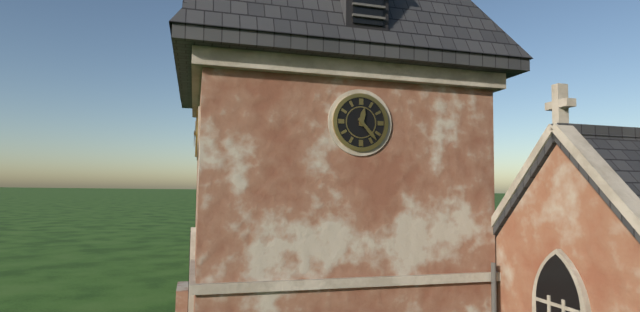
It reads 12:23
